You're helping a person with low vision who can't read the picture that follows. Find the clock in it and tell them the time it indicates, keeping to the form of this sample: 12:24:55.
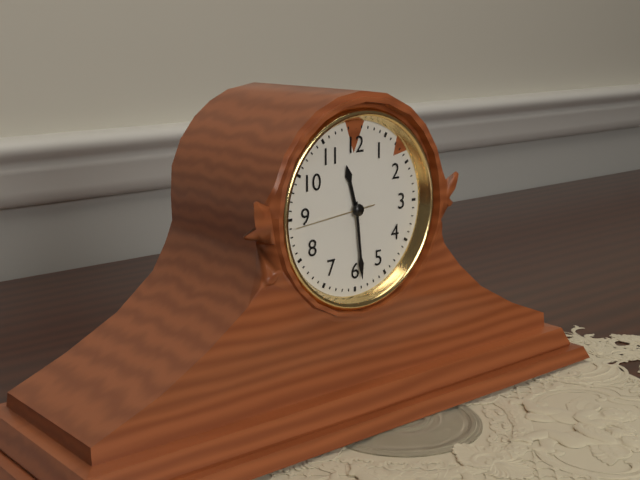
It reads 11:29:44
